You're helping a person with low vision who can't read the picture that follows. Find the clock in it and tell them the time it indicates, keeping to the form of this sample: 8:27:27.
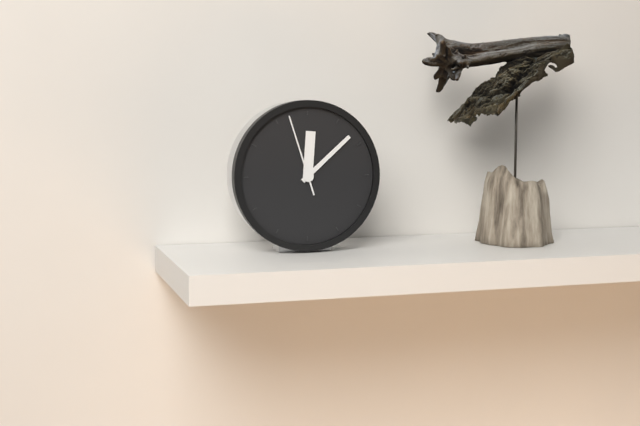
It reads 12:08:57
